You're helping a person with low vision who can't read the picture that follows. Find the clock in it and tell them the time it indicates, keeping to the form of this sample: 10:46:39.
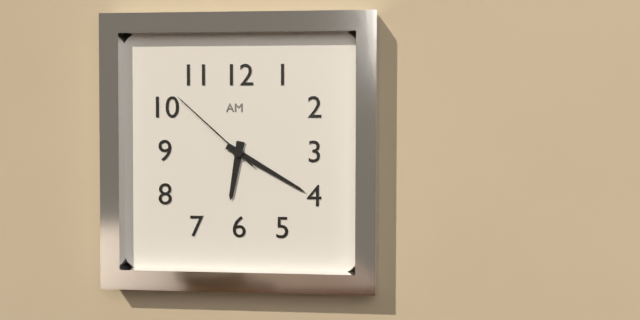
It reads 6:20:52
